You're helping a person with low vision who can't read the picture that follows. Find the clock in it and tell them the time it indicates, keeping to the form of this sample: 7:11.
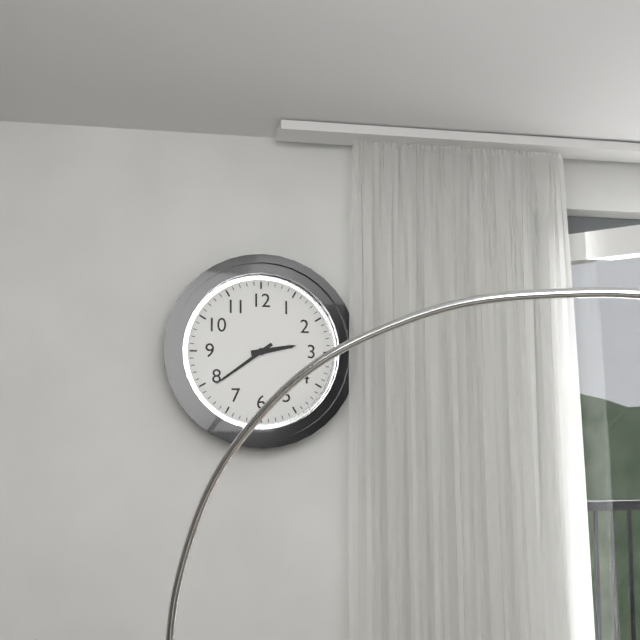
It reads 2:39
